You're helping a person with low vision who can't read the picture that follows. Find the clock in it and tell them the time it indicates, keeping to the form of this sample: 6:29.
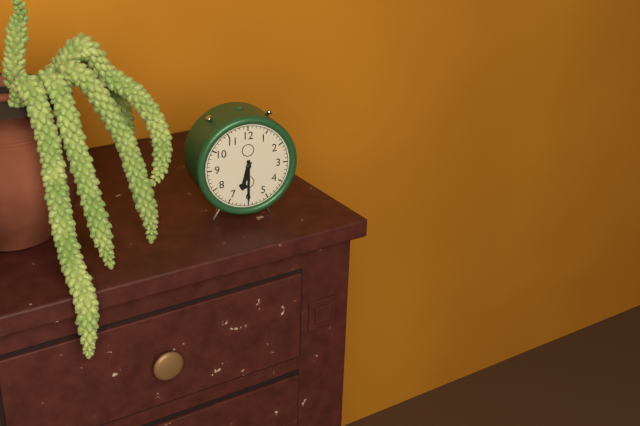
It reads 6:30
